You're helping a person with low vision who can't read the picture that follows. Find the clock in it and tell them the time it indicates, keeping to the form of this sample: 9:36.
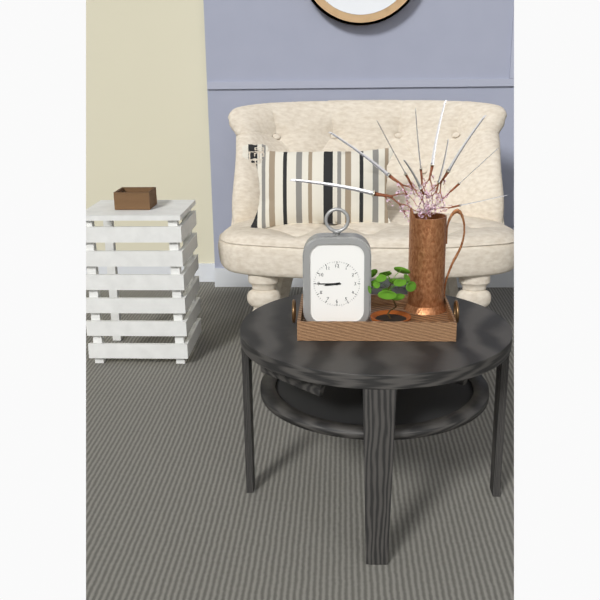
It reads 8:45
